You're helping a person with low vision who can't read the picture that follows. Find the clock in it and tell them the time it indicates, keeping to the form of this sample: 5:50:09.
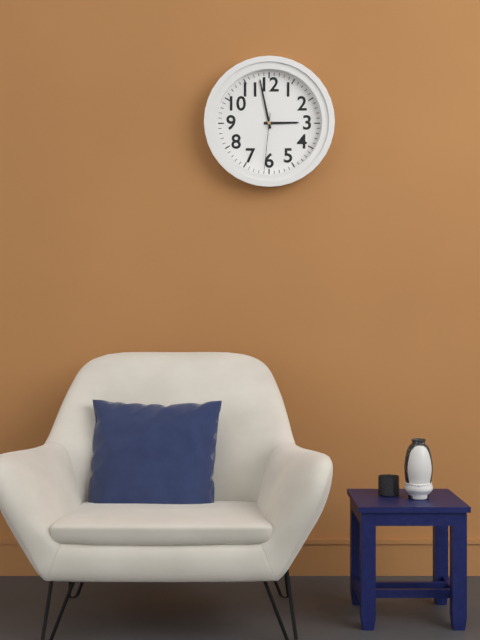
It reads 2:58:31
